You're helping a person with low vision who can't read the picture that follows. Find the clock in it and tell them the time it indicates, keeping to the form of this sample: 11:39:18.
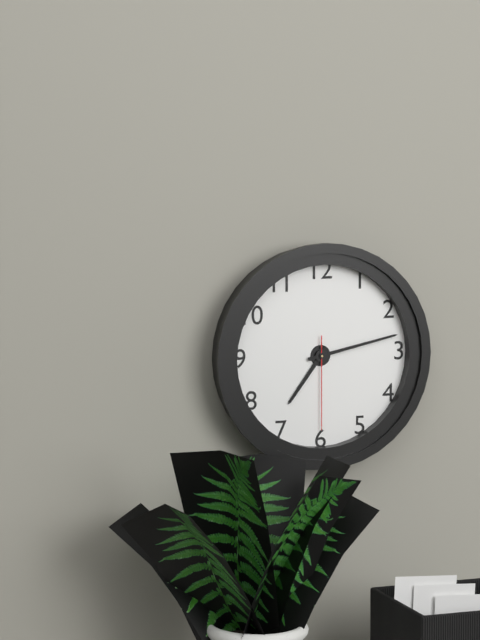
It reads 7:13:30
